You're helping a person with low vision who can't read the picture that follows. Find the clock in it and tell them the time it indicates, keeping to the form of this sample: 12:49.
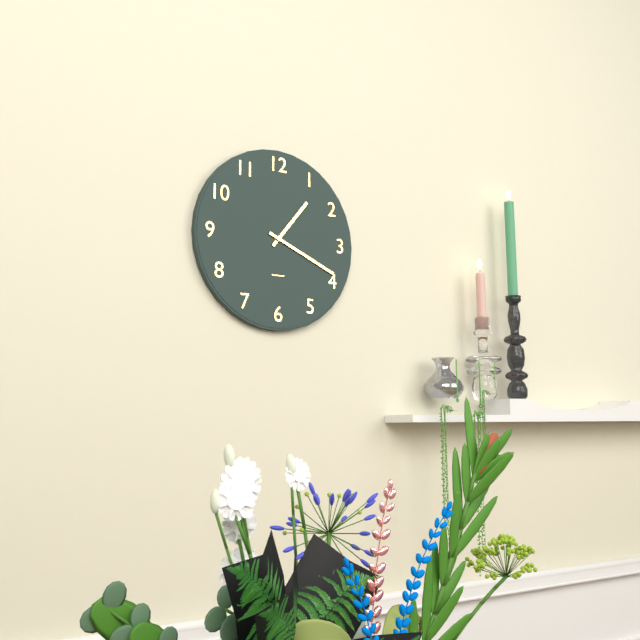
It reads 1:19
